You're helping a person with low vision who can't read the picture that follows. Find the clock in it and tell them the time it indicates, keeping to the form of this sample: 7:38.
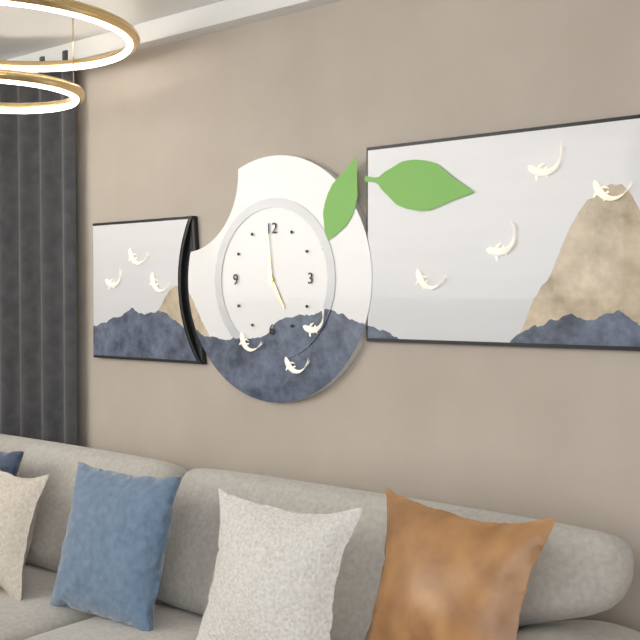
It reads 4:59
